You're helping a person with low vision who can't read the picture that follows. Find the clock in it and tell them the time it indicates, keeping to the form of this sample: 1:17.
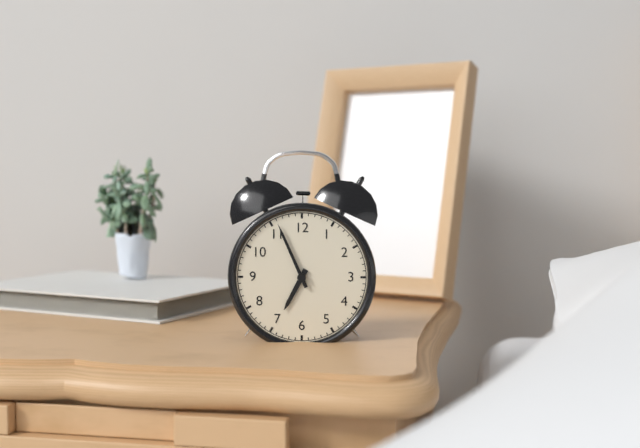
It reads 6:56
